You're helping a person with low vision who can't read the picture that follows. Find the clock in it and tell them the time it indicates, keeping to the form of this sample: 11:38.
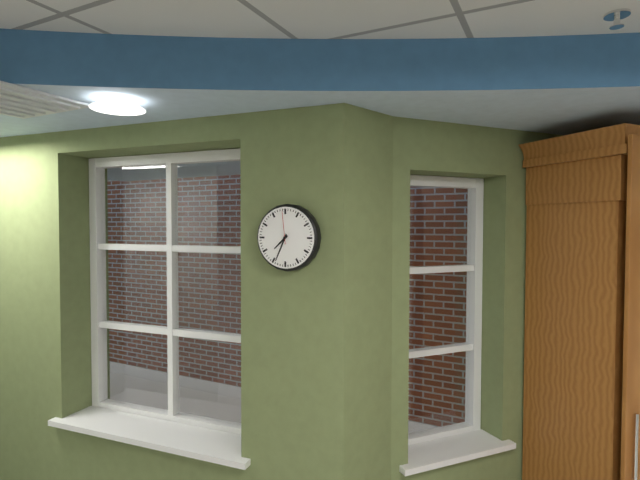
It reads 7:34
